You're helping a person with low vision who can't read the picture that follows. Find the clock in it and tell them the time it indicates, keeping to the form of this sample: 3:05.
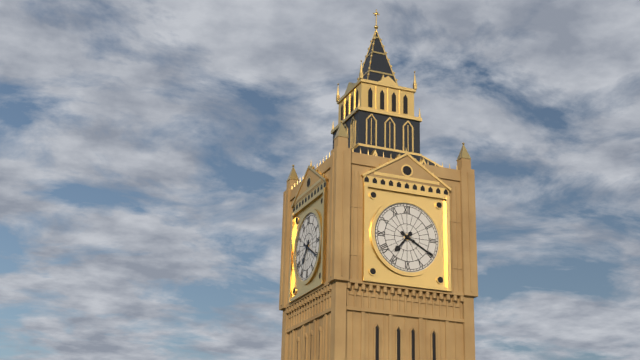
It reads 7:20
